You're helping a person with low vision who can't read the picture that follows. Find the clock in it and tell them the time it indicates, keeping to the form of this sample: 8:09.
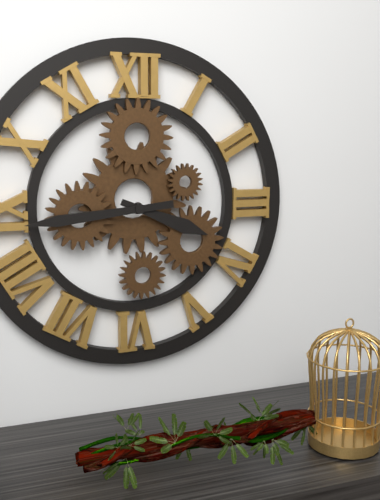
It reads 3:44
